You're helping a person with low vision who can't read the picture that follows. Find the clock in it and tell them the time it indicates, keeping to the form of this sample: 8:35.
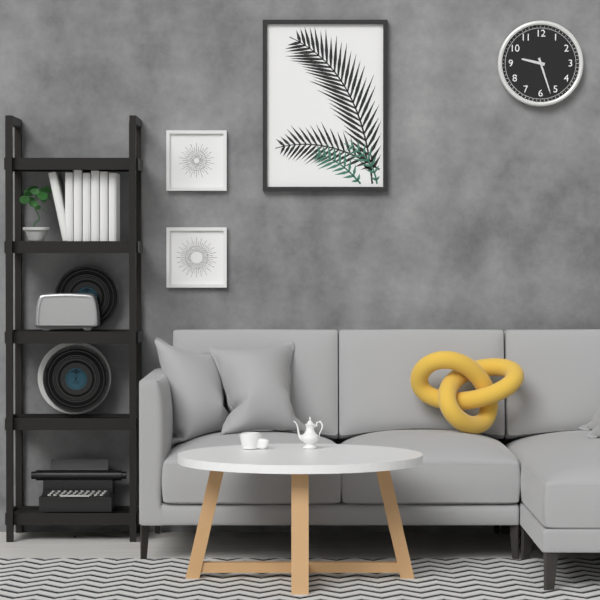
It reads 9:27
